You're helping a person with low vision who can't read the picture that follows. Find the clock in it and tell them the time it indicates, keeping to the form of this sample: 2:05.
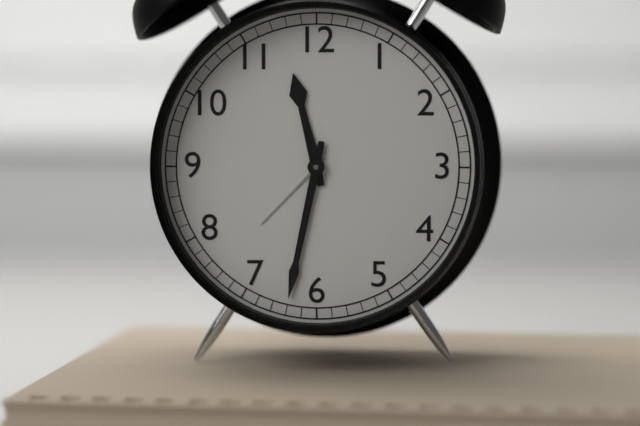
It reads 11:32
